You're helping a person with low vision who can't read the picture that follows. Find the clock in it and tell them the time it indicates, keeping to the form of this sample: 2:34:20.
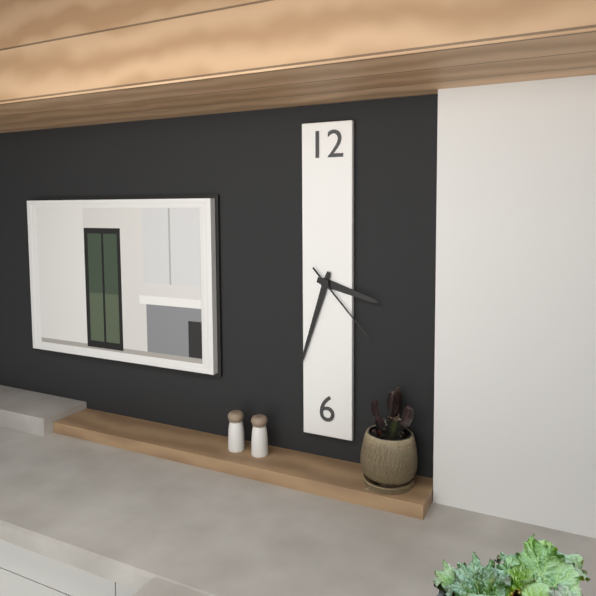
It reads 3:33:23
